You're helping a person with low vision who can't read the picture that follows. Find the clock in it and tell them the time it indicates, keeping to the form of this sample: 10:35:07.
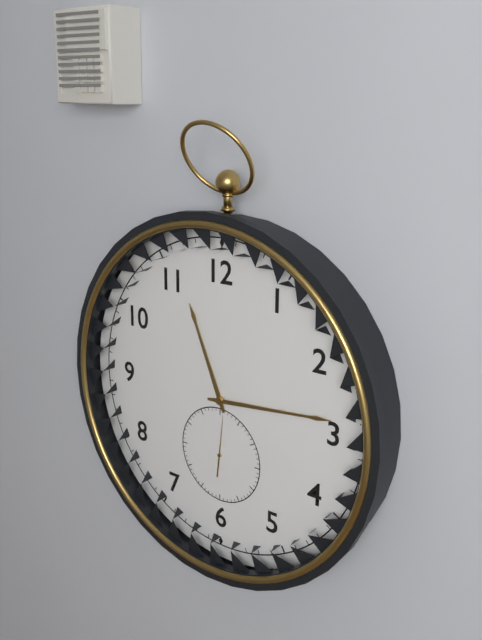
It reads 11:14:01
